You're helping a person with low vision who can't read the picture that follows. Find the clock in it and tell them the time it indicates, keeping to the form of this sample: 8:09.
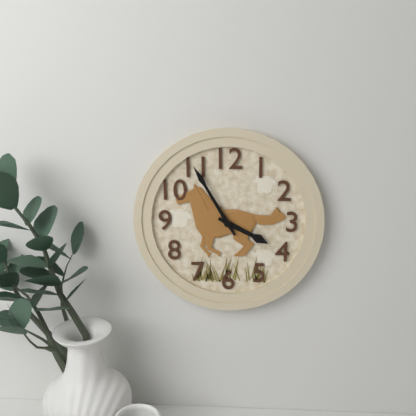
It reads 3:55
